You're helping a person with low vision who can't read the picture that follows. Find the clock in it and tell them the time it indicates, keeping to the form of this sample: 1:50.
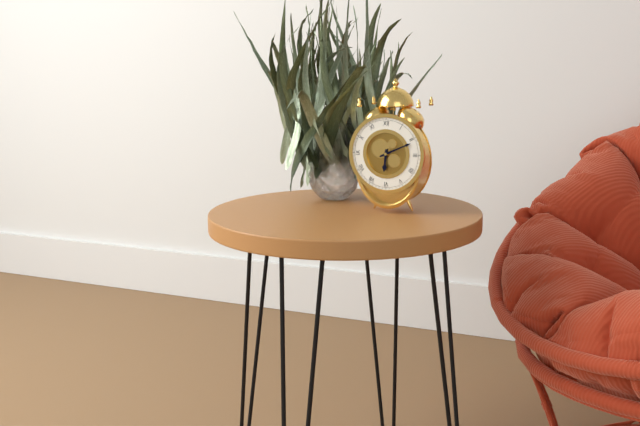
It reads 6:11
